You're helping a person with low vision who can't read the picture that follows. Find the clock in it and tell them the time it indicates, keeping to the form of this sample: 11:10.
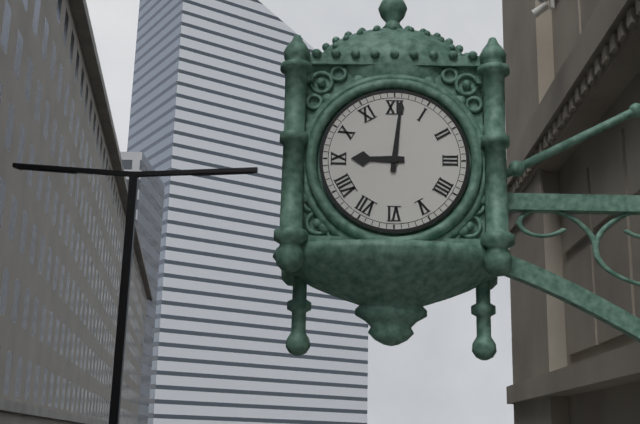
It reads 9:01
